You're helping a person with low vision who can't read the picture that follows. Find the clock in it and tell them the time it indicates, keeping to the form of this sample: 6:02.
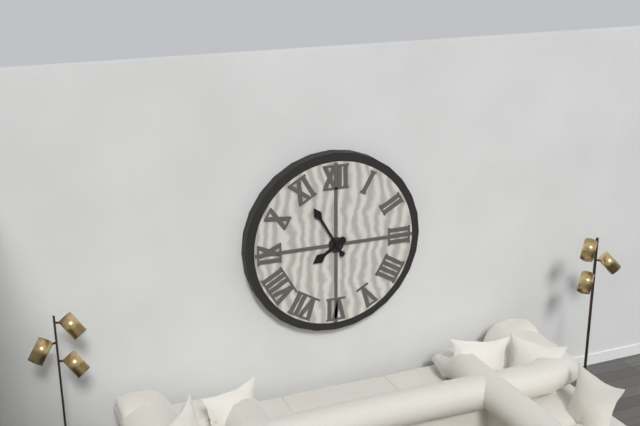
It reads 7:55
